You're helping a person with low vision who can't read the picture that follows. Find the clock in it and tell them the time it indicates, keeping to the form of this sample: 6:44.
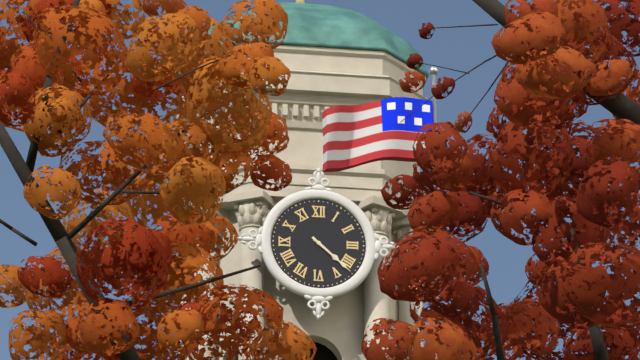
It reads 4:22
